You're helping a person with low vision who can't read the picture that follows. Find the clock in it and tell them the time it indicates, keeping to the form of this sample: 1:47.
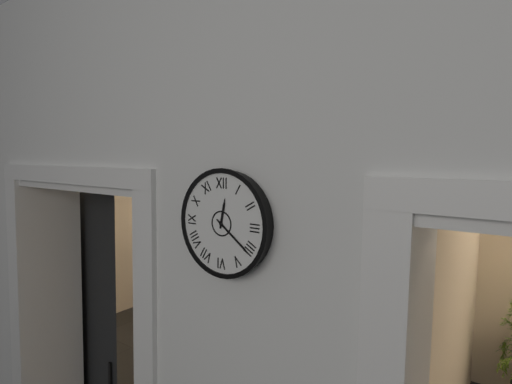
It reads 12:21
